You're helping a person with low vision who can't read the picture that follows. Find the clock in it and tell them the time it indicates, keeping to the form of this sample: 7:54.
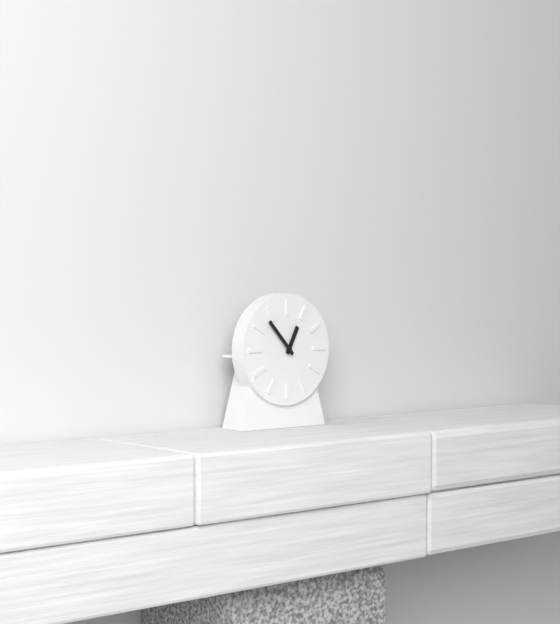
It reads 12:53
